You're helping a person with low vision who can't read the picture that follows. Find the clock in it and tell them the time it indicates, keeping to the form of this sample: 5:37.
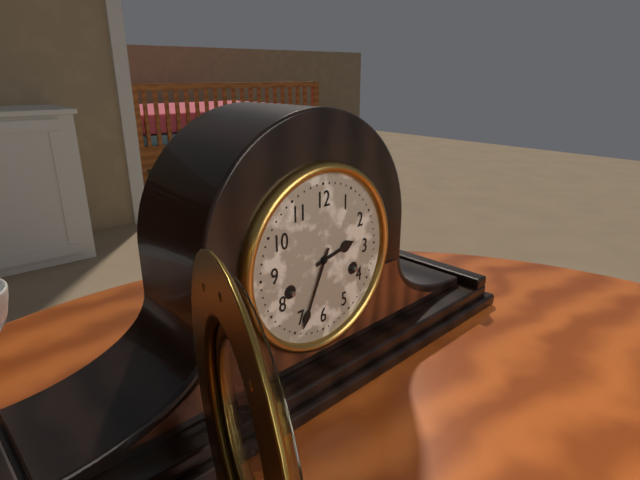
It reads 2:34
